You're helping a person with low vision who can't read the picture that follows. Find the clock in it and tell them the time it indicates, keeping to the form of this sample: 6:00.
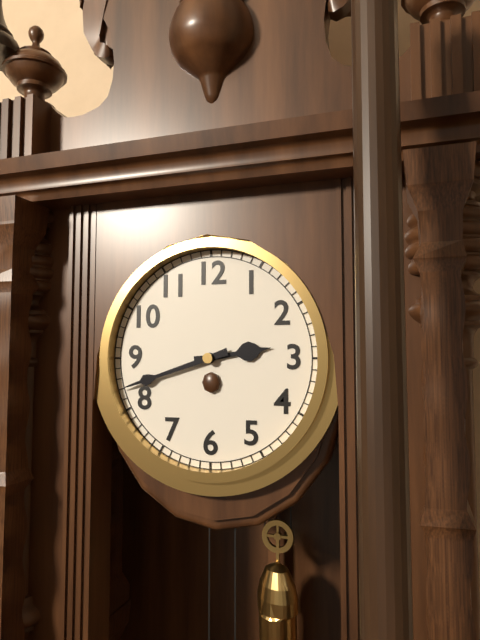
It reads 2:42
